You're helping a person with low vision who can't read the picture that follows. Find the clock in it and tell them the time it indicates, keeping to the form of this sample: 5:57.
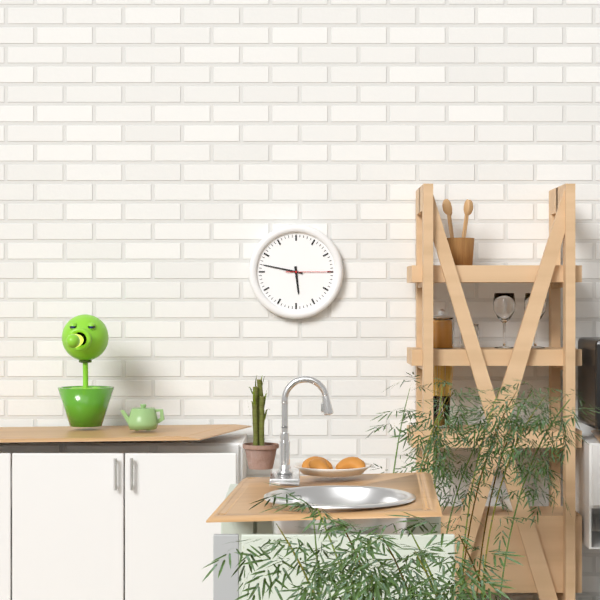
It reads 5:47
